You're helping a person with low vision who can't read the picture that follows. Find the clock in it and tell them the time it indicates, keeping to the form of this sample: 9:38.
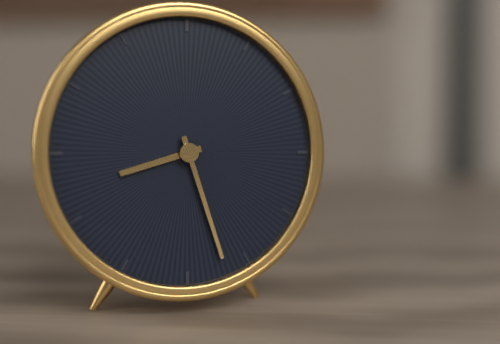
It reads 8:27
